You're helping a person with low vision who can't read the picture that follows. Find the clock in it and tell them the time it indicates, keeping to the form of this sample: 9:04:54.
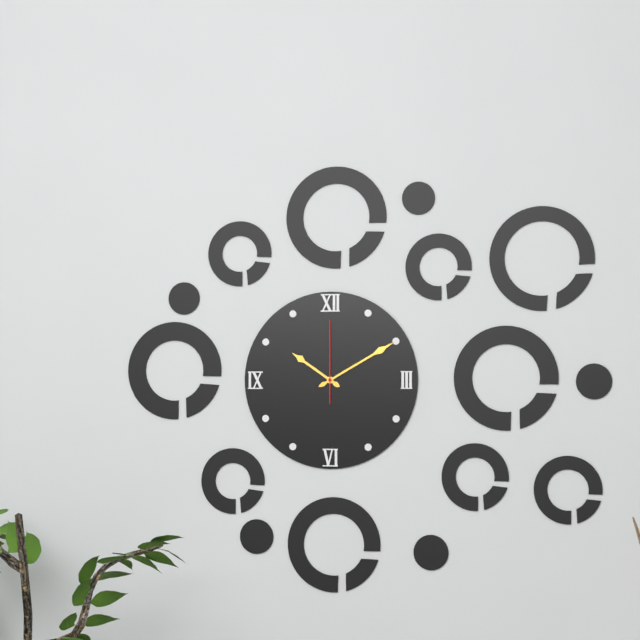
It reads 10:10:00
